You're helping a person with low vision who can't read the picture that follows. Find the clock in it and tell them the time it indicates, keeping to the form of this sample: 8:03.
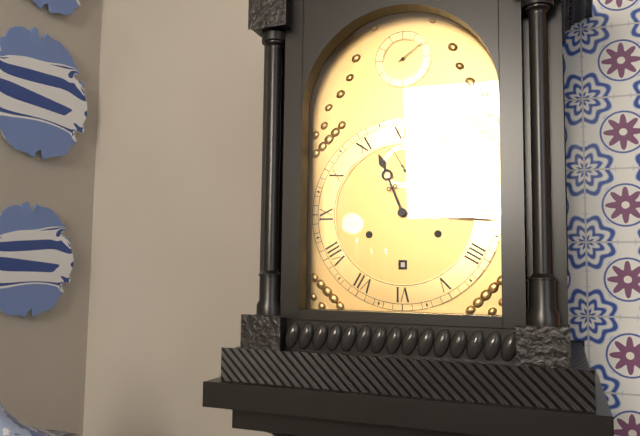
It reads 11:16
